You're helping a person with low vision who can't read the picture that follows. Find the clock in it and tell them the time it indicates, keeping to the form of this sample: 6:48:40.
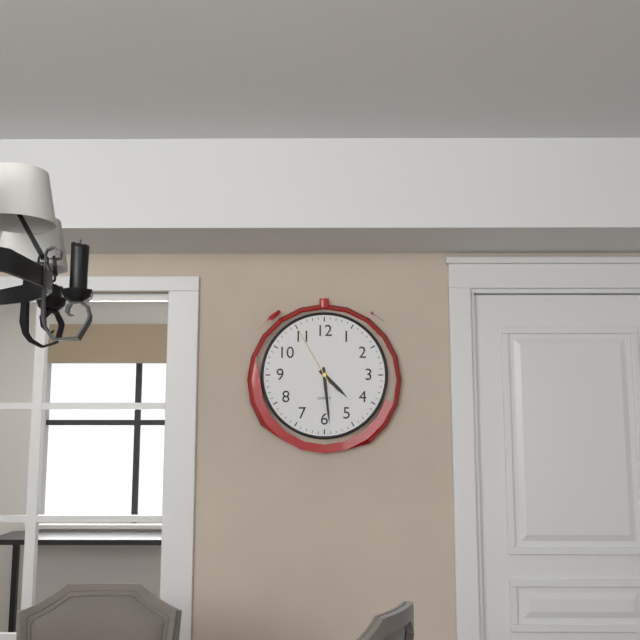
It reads 4:29:55
